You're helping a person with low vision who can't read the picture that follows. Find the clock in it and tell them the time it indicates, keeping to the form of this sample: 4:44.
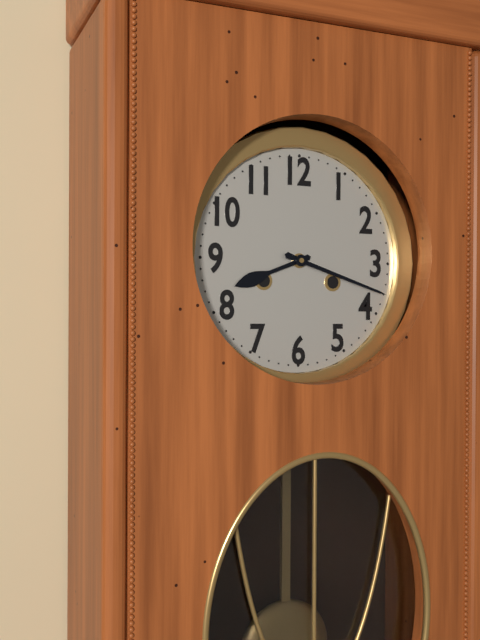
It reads 8:18
